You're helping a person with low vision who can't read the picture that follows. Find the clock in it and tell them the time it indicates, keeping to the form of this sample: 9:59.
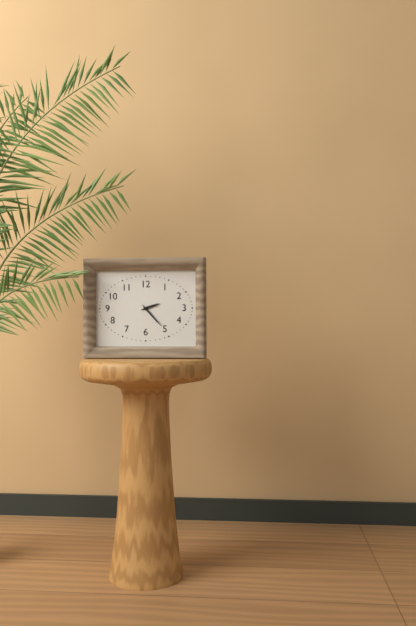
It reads 2:23
